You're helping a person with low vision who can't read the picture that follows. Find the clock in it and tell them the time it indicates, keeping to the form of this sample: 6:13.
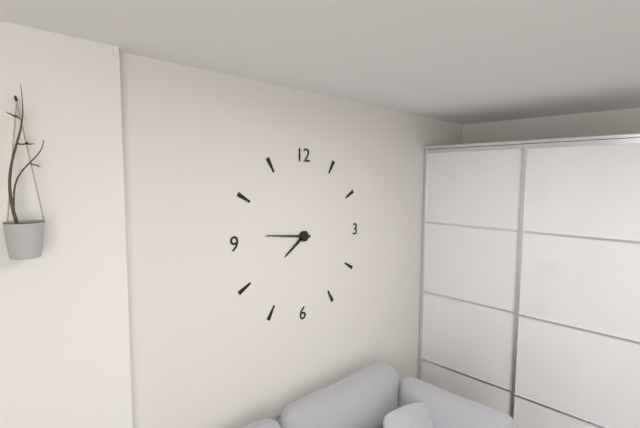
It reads 7:46
